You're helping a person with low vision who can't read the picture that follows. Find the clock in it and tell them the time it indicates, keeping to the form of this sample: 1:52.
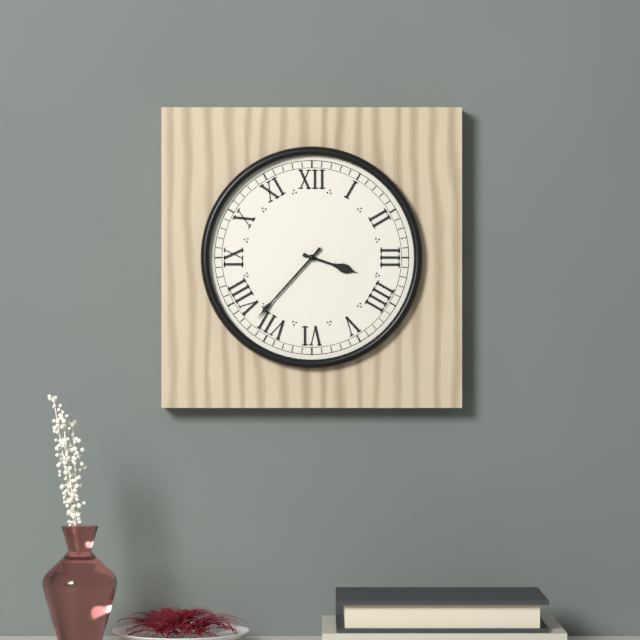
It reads 3:37
